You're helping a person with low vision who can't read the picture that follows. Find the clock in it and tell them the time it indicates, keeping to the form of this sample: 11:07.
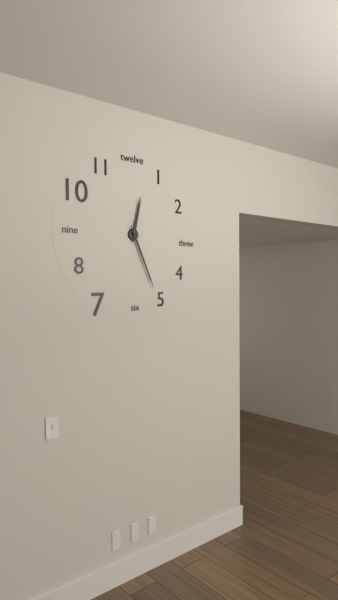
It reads 12:26
